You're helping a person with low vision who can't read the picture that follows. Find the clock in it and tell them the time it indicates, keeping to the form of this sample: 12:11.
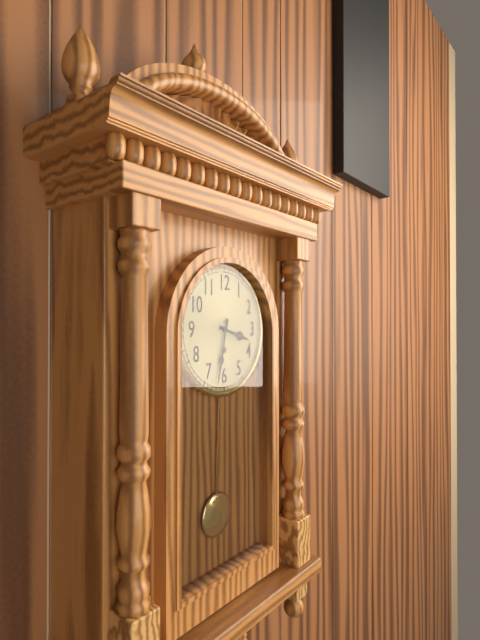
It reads 3:32
